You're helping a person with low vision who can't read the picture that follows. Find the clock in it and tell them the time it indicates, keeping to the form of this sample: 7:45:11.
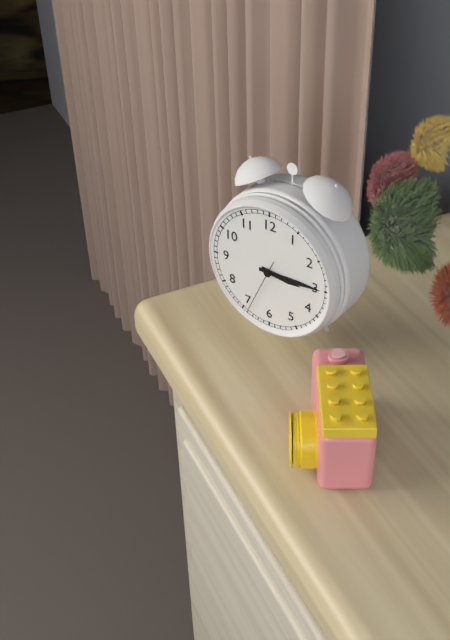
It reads 3:15:34
